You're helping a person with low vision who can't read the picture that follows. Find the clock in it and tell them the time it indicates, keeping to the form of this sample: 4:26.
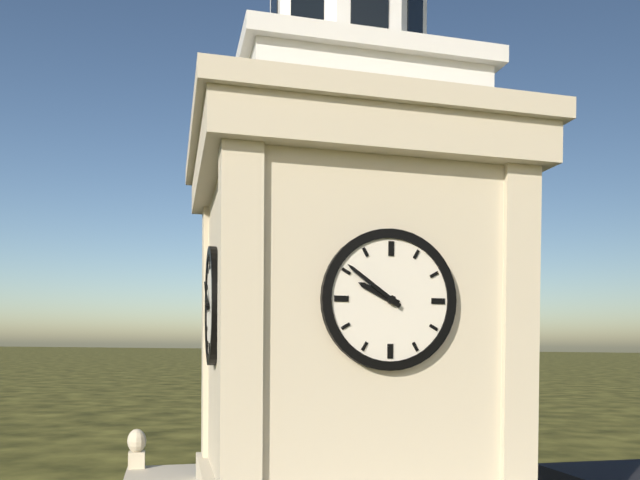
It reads 9:51
